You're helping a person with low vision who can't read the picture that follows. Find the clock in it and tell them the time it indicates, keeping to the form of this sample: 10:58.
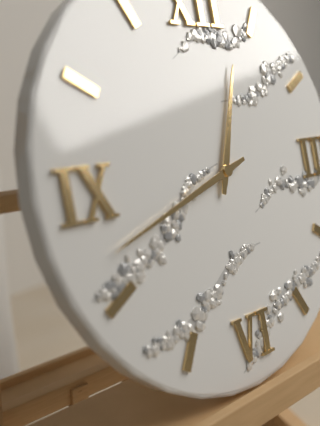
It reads 12:42
